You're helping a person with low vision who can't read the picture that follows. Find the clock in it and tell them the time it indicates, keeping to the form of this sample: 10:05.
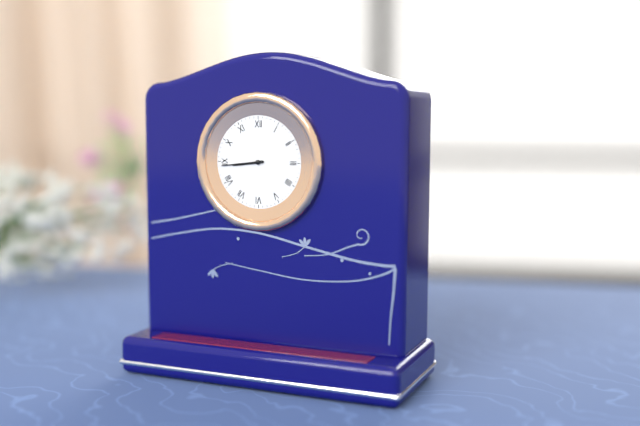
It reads 8:44
